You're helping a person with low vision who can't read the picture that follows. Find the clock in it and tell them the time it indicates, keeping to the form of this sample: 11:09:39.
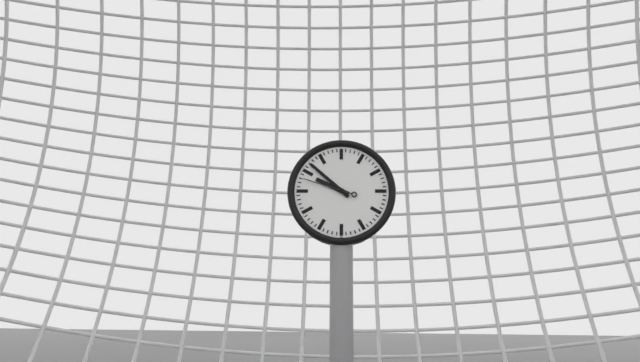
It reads 9:52:48
